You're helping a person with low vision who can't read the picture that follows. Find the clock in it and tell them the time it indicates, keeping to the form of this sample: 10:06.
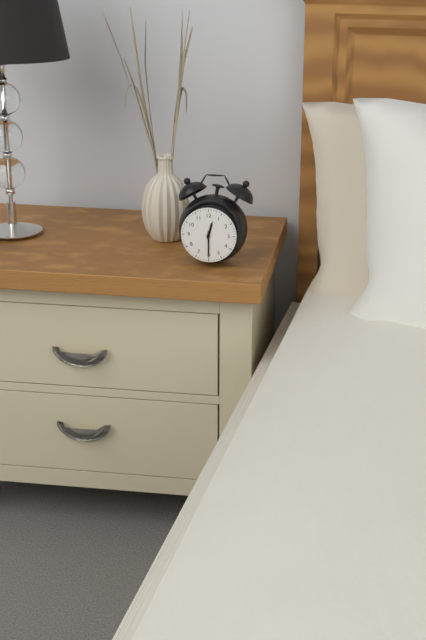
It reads 12:30
